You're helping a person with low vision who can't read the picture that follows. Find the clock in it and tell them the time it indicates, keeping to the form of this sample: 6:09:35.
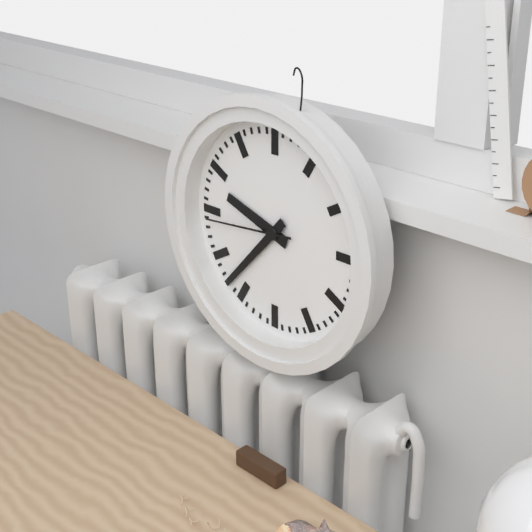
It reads 9:37:44
